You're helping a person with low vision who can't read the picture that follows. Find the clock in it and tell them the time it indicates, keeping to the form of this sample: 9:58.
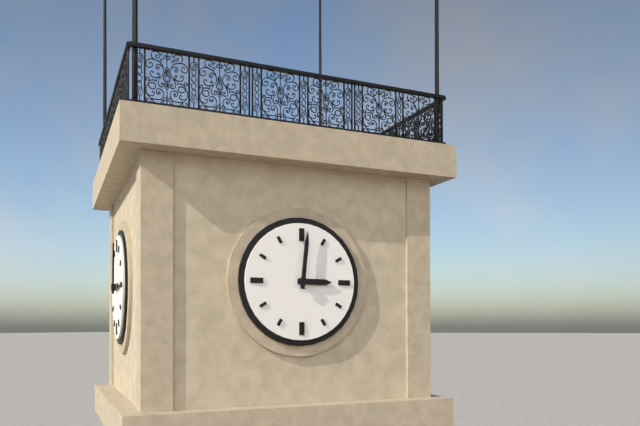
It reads 3:01
